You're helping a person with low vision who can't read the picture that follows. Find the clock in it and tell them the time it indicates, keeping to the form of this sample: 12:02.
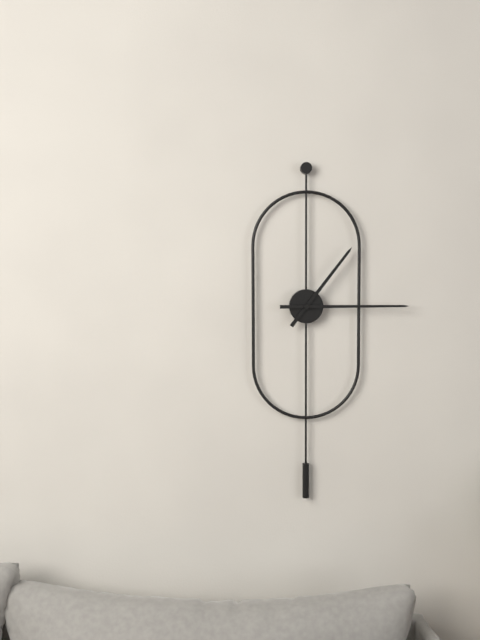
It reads 1:15
